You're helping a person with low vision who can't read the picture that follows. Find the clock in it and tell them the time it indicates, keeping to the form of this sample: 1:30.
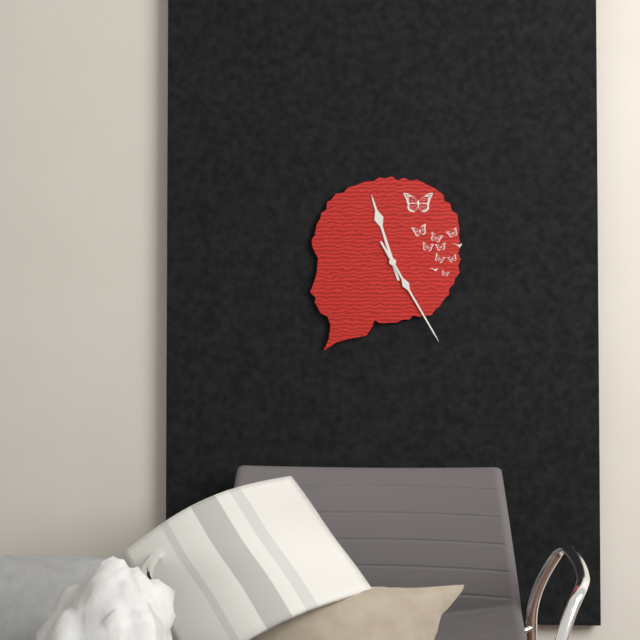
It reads 11:25
